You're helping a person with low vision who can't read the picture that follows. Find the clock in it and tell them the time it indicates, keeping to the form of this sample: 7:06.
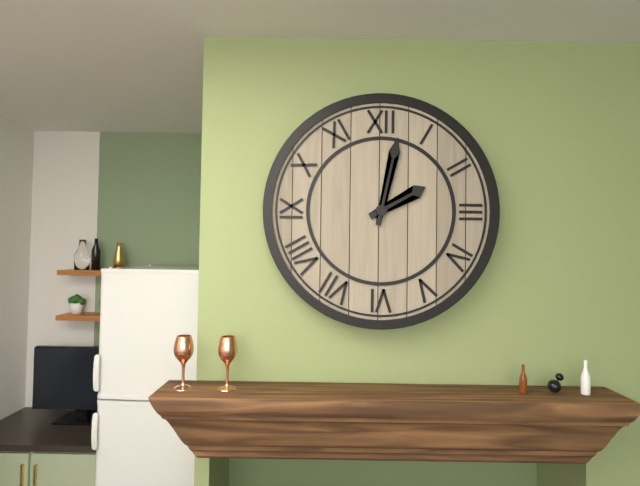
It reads 2:02
